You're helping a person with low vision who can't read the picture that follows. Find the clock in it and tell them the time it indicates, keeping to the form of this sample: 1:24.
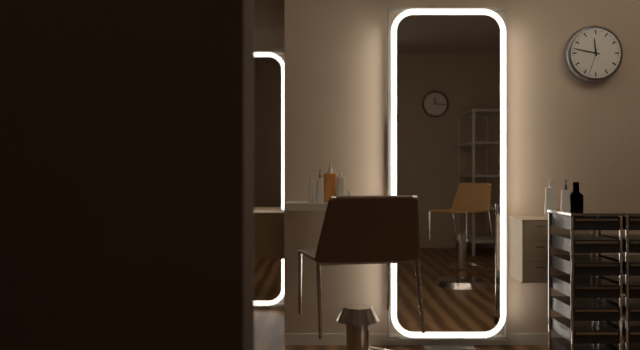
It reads 11:47
